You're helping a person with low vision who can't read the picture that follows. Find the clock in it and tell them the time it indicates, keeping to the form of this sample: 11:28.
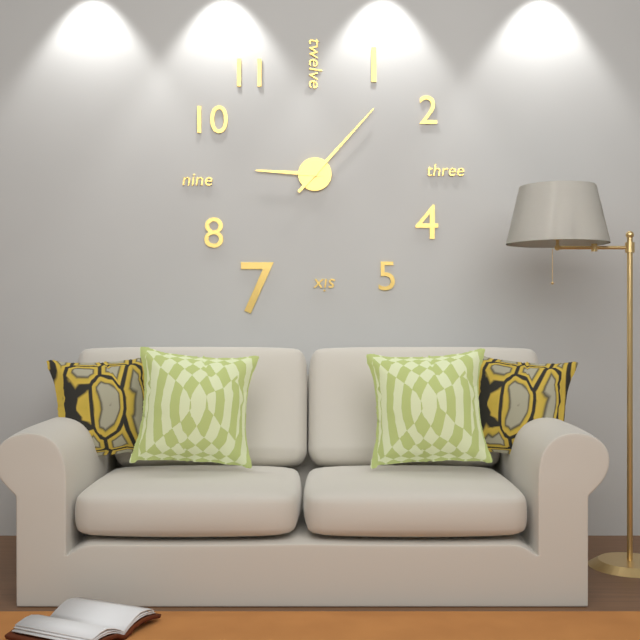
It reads 9:07
